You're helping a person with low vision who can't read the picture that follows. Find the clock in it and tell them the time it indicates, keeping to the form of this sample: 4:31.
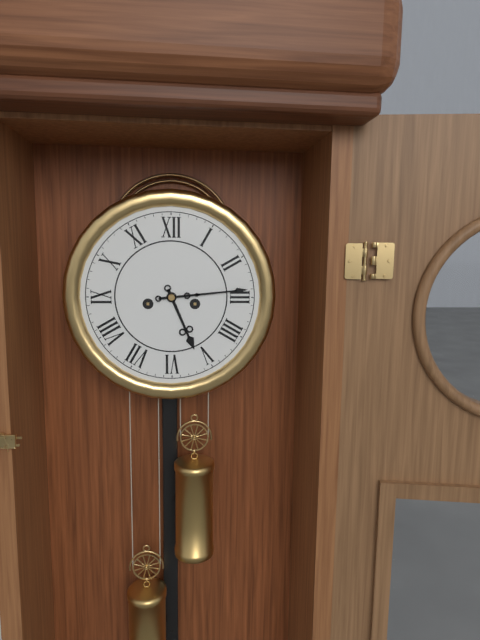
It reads 5:14
